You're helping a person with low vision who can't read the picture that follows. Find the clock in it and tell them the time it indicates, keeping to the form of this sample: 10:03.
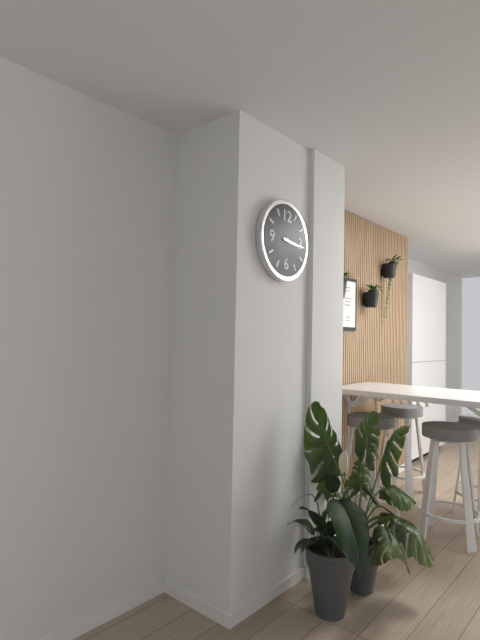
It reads 3:16
